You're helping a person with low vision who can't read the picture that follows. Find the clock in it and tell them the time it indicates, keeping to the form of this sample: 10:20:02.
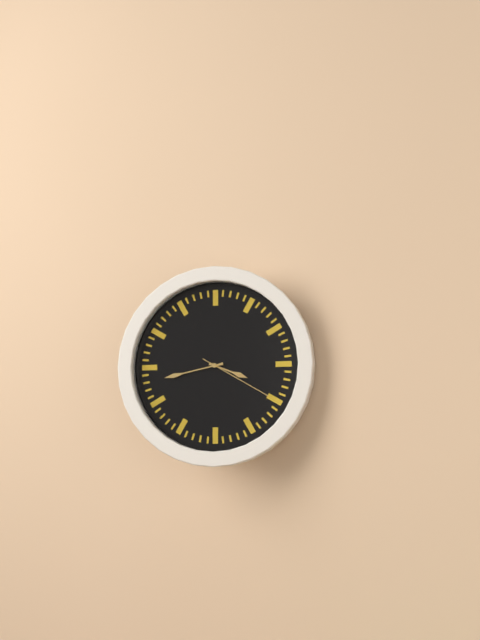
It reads 3:43:20
